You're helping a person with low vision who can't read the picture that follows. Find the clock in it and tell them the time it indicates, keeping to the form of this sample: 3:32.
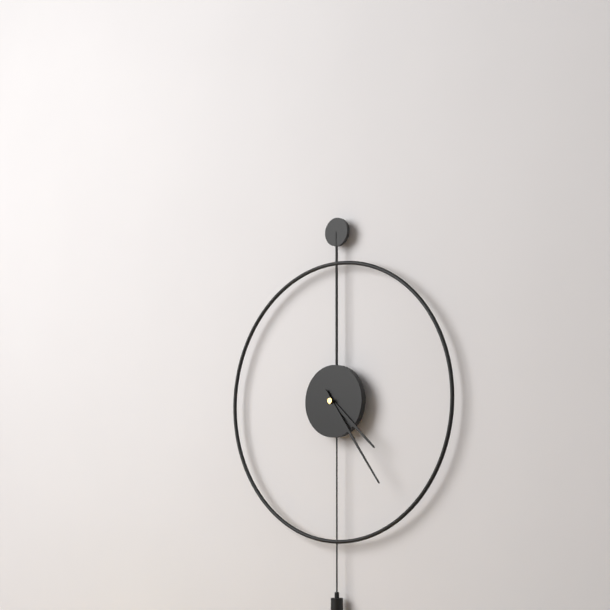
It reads 4:24
